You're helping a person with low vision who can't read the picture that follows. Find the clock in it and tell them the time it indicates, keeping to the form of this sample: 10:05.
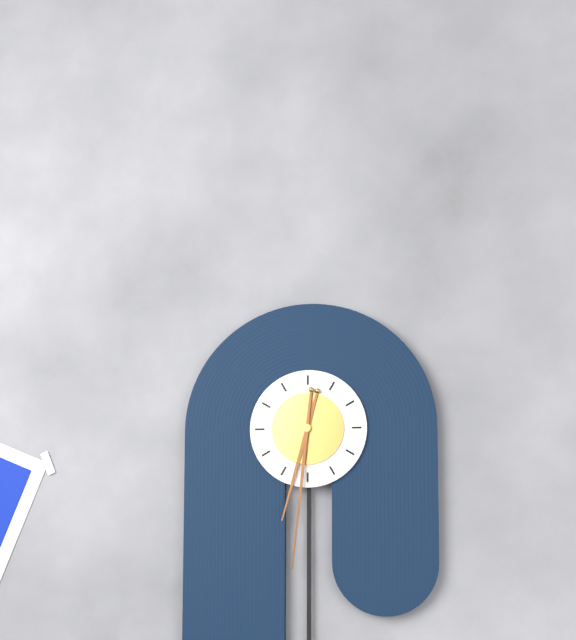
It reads 6:31
